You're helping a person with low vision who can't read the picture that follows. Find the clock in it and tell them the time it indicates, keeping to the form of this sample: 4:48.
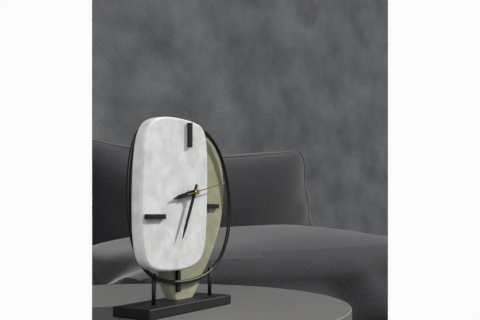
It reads 8:34
